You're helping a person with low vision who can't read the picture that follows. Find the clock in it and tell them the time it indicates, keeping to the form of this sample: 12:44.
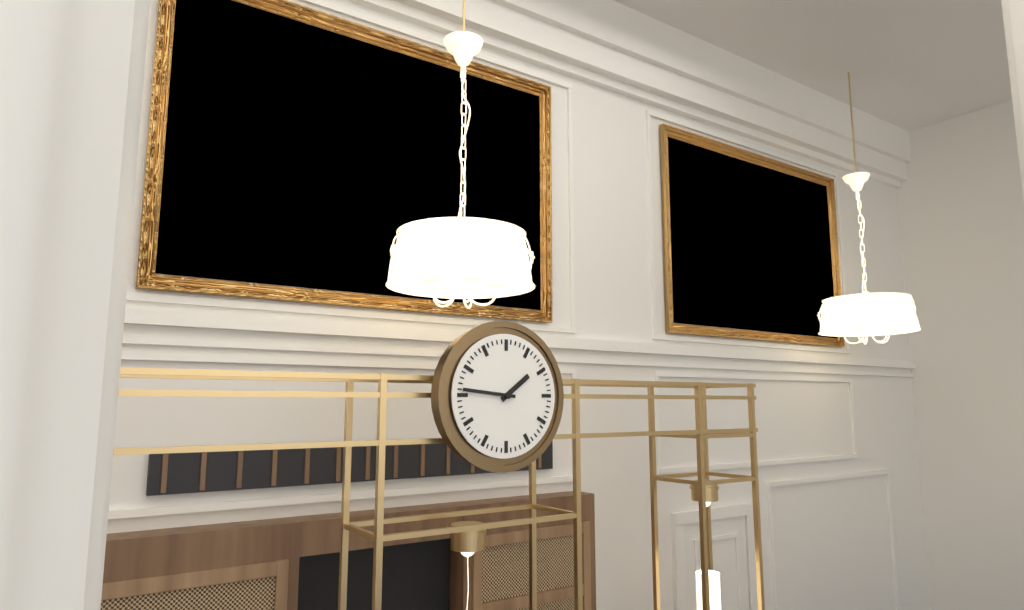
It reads 1:46
